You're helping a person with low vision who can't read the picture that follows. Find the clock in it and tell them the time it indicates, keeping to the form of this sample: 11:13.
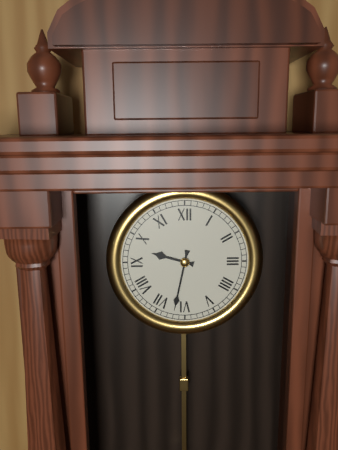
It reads 9:32
